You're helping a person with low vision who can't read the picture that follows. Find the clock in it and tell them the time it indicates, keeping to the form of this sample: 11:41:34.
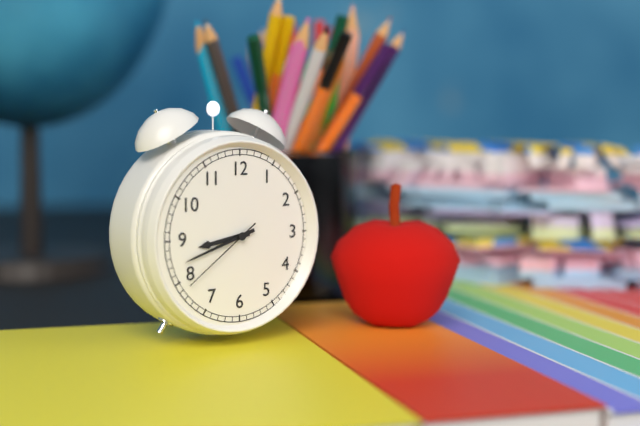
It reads 8:42:39
